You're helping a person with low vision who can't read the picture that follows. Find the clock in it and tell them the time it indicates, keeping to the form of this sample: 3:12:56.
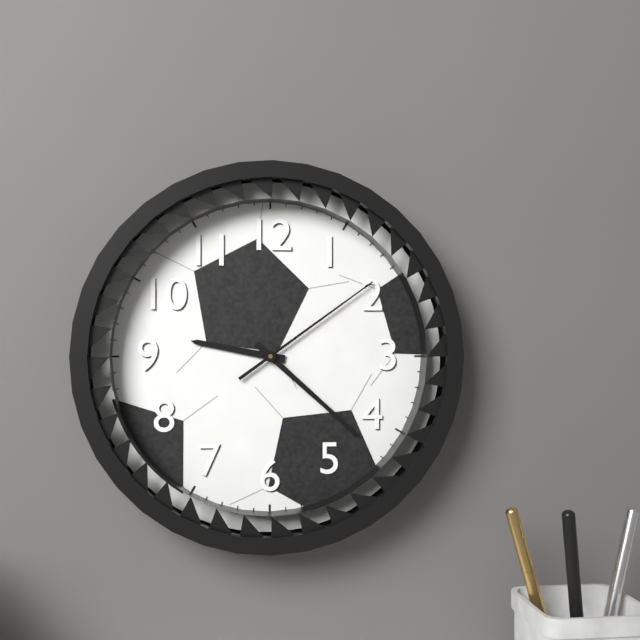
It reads 9:22:09
